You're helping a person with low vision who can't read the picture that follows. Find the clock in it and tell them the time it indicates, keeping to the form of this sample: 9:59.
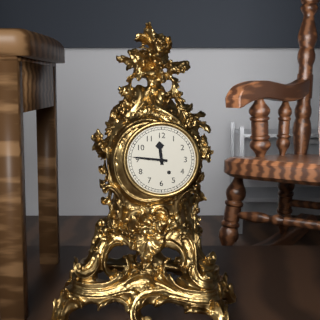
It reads 11:46
